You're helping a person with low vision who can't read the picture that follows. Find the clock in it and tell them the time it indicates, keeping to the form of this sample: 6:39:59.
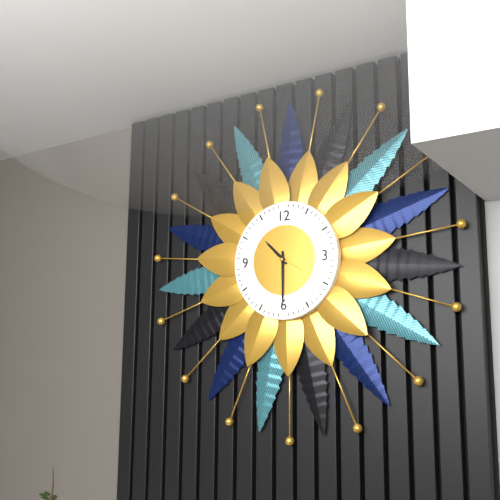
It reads 10:30:20
